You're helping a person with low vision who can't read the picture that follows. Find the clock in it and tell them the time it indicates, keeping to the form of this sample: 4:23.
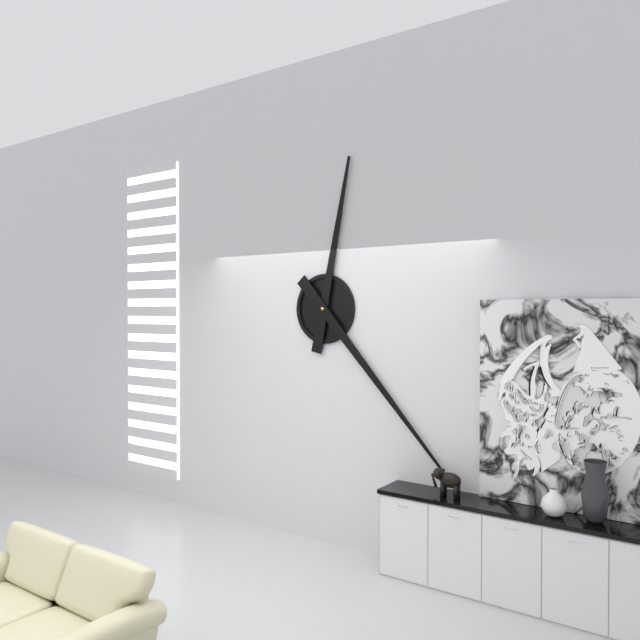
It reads 12:23
